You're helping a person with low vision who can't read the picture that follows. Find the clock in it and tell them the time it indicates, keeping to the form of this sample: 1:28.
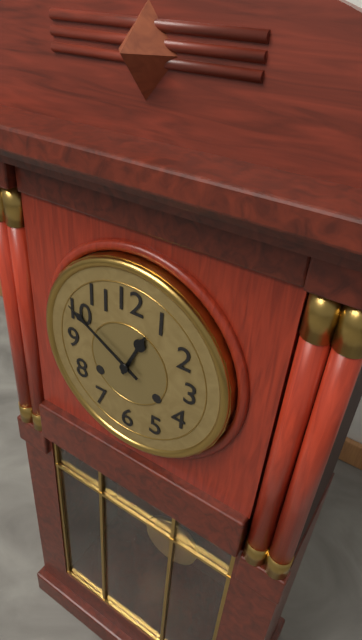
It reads 12:50
